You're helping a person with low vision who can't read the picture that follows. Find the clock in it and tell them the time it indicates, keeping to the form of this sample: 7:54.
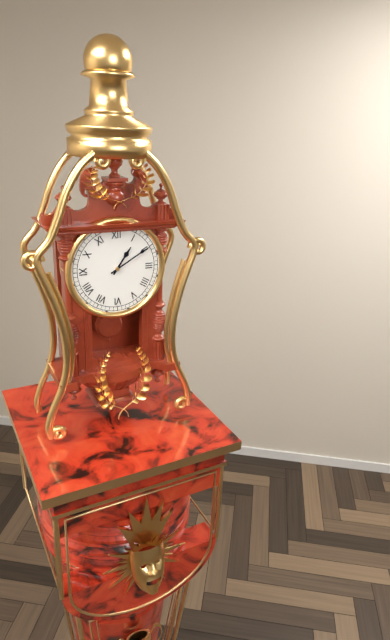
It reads 1:10
